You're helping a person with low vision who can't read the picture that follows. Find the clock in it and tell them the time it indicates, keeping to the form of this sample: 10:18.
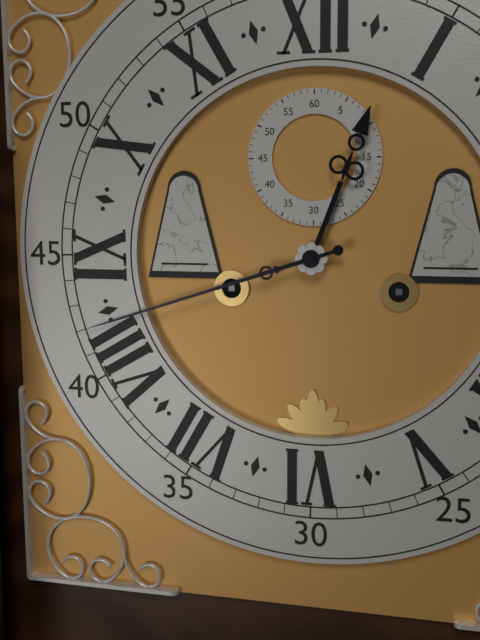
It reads 12:42
